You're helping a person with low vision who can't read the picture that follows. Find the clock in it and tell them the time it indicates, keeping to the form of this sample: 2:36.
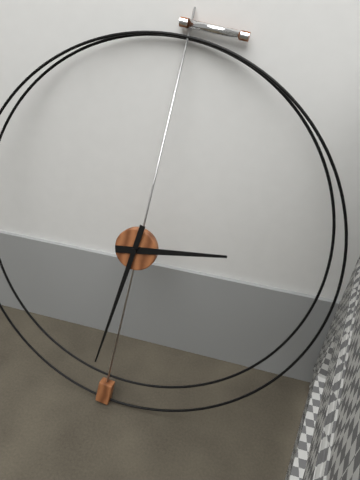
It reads 2:31
